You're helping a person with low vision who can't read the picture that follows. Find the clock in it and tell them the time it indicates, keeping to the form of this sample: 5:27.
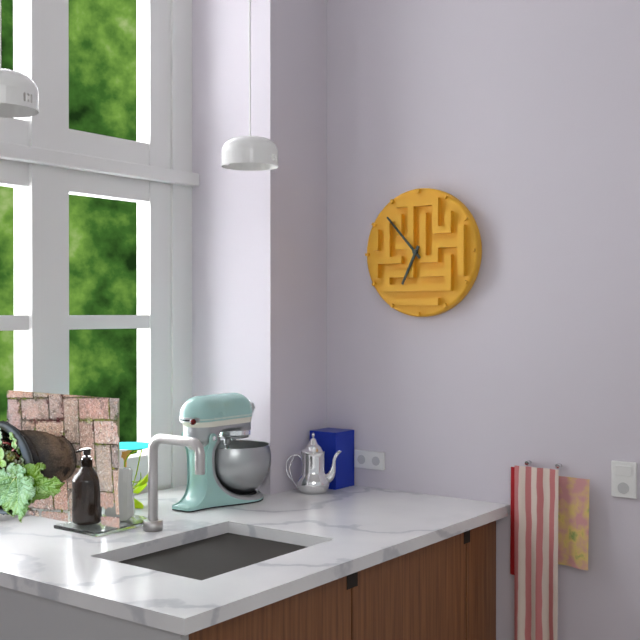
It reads 6:53
